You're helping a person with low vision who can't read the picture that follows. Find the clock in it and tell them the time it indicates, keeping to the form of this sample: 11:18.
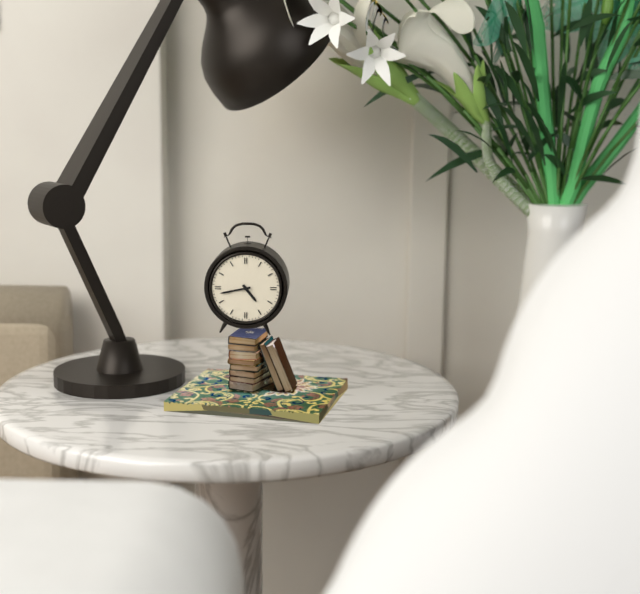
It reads 4:43
